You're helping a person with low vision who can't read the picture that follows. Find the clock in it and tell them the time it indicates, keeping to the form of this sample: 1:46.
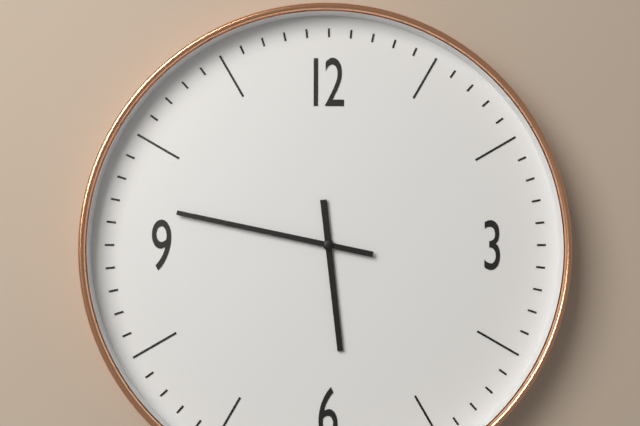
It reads 5:47
